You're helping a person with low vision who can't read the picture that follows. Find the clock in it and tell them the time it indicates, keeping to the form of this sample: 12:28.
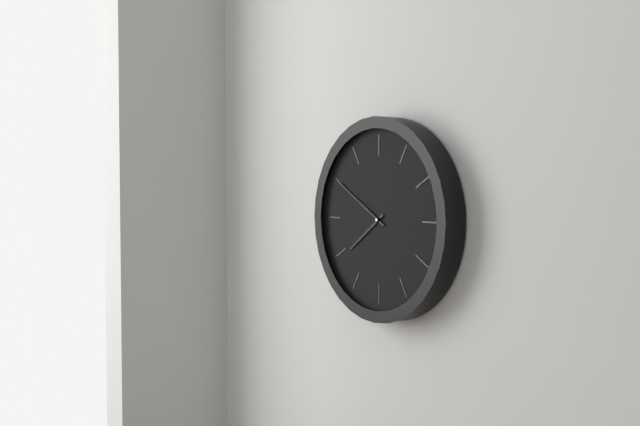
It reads 7:50
